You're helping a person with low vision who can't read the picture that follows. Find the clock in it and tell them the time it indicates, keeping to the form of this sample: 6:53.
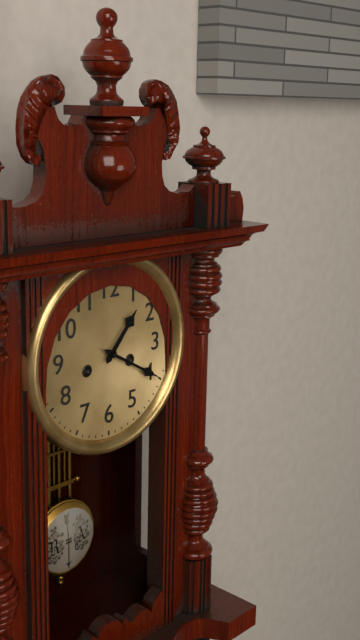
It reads 1:20
